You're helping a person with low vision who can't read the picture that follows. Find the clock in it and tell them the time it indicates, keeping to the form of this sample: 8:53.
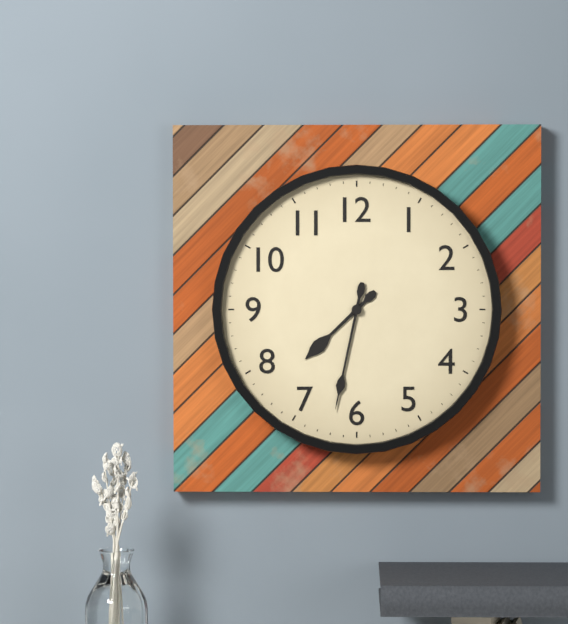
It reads 7:32
